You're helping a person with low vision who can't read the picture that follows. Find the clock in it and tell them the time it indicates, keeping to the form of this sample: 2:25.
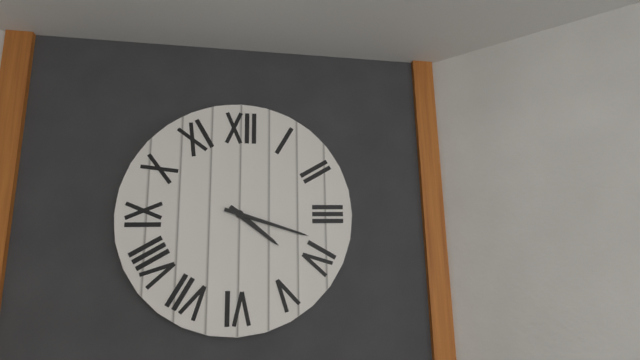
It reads 4:18
